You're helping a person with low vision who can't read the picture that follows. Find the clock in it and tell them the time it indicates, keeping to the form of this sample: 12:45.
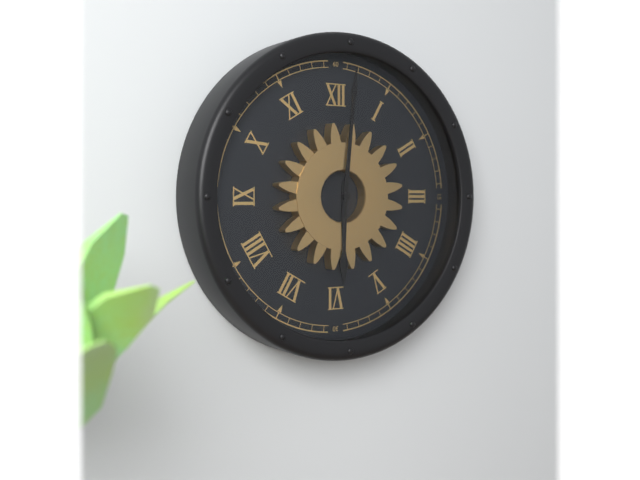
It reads 6:01
